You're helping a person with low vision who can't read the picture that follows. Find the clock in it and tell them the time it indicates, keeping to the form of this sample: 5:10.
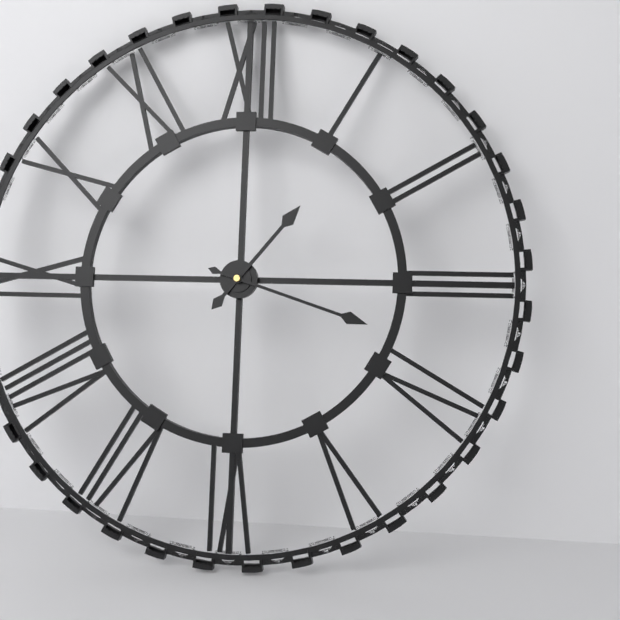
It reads 1:18
